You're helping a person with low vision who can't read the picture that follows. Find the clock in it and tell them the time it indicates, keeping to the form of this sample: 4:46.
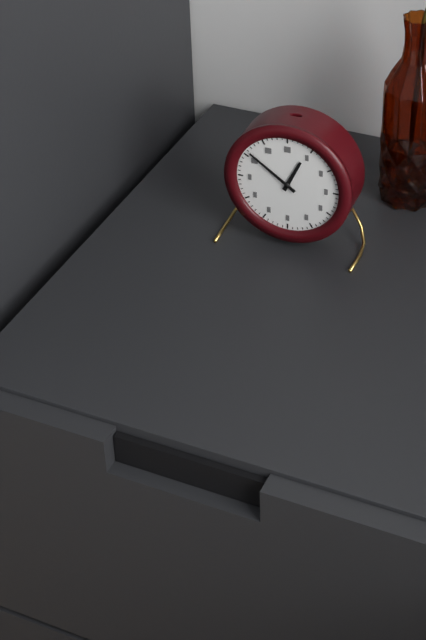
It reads 12:51
